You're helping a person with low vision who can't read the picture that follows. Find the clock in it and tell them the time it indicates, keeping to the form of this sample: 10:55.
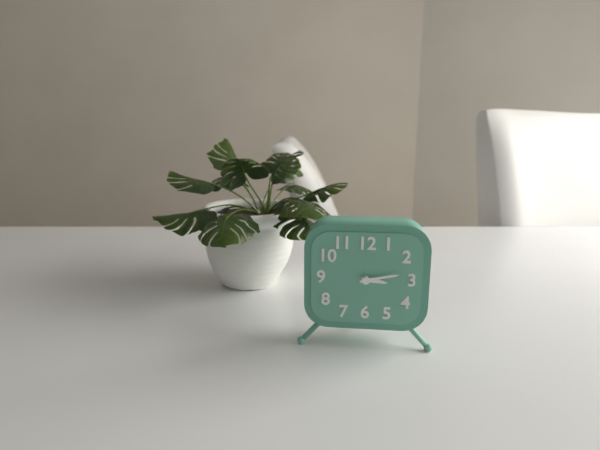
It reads 3:13
